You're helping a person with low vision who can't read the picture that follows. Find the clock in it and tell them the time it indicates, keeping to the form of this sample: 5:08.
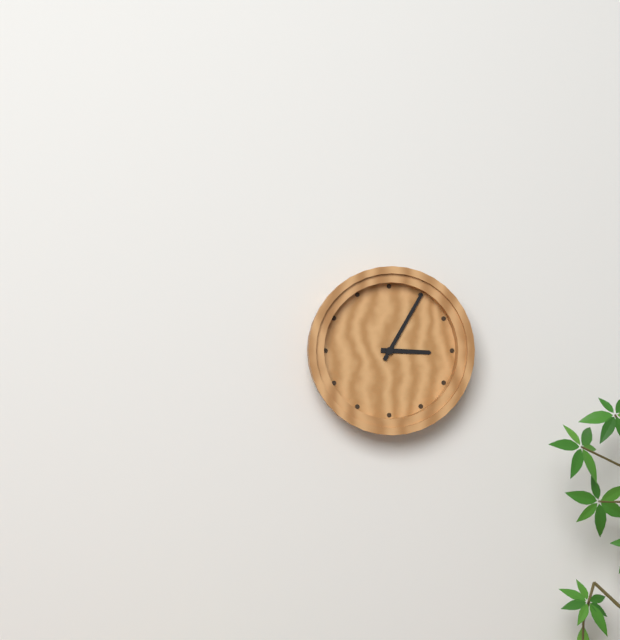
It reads 3:05
